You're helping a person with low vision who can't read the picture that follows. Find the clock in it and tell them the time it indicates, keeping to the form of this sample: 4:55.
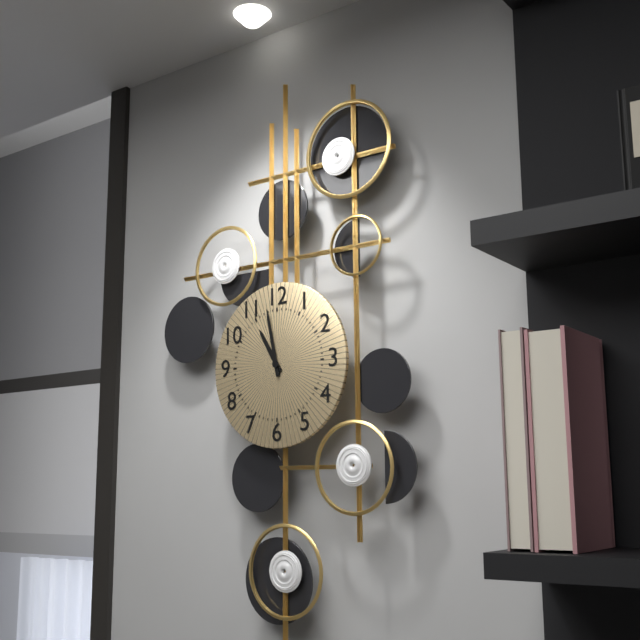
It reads 10:58
